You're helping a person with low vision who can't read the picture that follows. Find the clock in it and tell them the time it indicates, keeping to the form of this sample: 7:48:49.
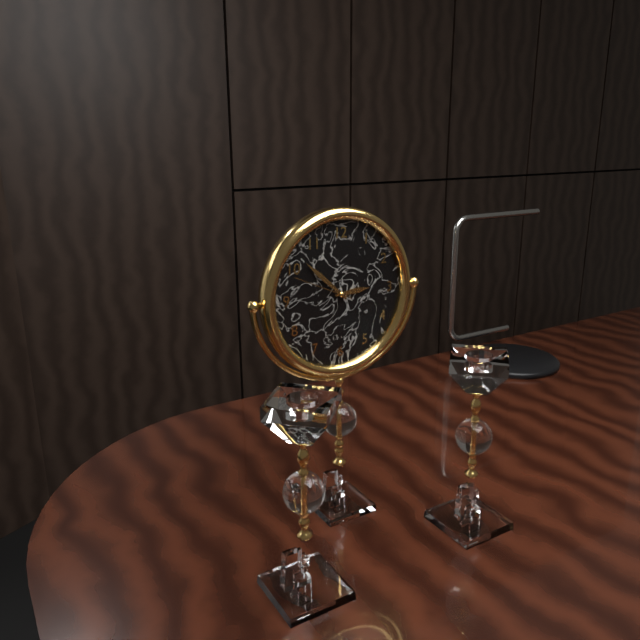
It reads 2:52:49
